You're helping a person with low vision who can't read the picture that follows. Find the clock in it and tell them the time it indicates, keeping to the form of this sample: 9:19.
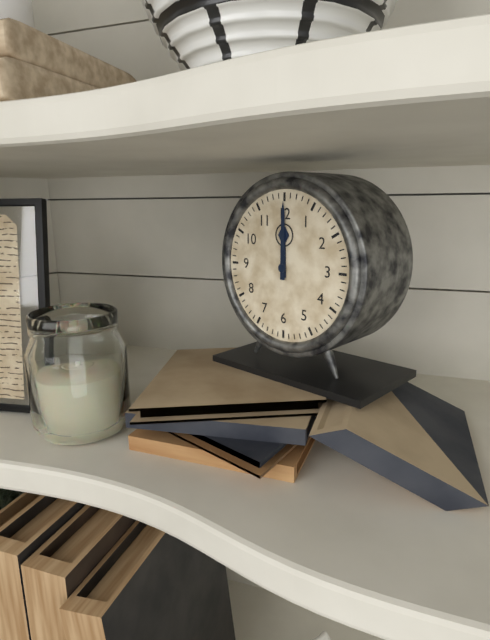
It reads 12:00
